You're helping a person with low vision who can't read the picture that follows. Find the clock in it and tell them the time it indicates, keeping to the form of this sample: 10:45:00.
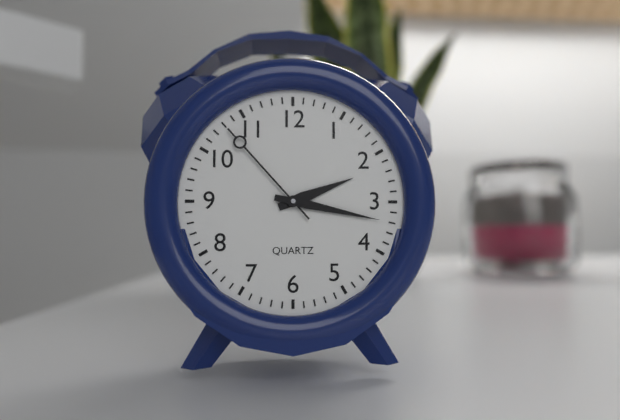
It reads 2:17:53
